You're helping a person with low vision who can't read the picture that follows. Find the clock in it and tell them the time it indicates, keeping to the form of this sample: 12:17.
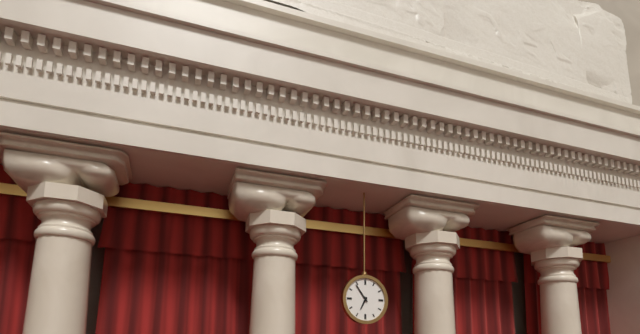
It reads 6:54
